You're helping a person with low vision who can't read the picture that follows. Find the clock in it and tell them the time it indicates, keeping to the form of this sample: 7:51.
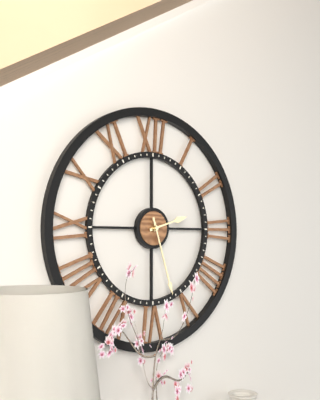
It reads 2:27
